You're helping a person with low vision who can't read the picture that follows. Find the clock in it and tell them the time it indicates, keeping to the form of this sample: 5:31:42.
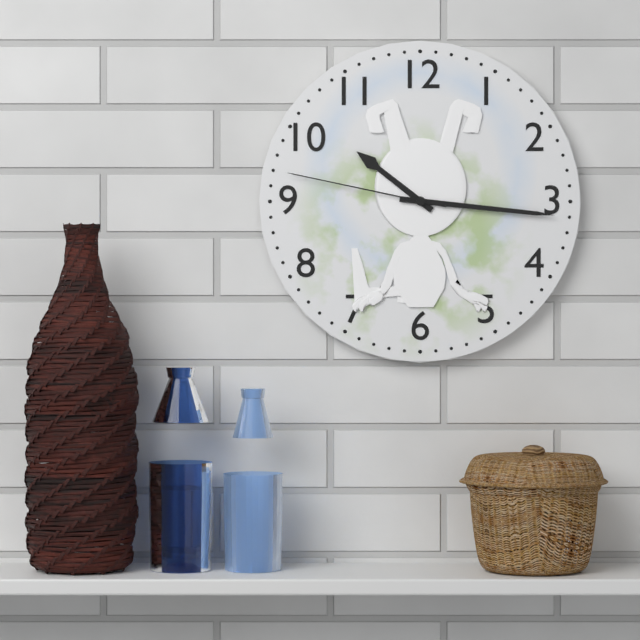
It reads 10:16:47
